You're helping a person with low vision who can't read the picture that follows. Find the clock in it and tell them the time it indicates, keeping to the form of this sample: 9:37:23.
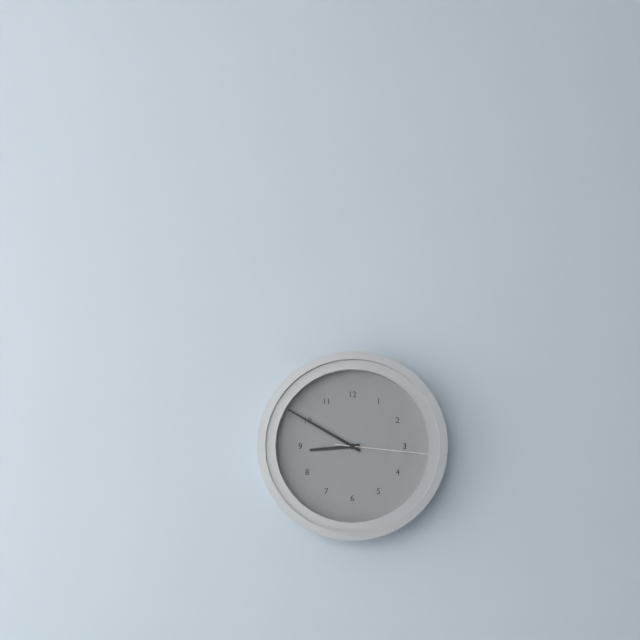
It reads 8:50:16
